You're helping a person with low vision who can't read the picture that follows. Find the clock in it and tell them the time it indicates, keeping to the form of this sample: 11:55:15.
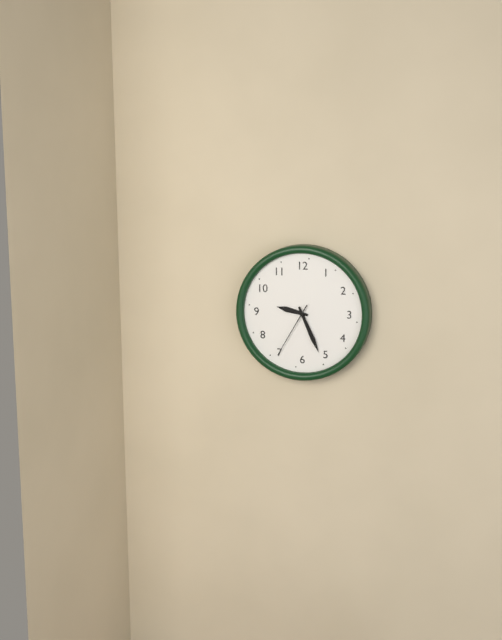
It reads 9:26:35
